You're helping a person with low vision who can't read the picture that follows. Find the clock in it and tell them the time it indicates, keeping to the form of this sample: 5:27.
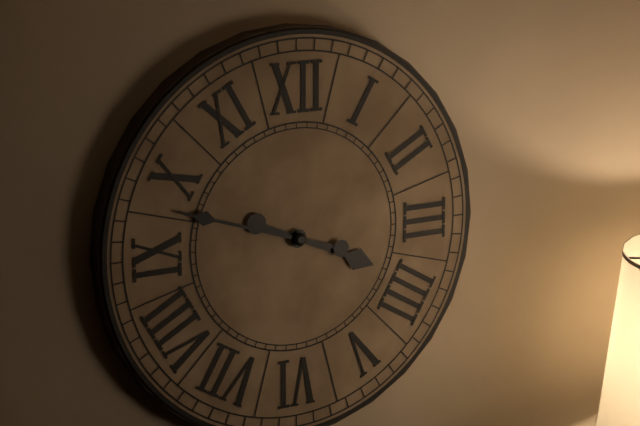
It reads 3:48
